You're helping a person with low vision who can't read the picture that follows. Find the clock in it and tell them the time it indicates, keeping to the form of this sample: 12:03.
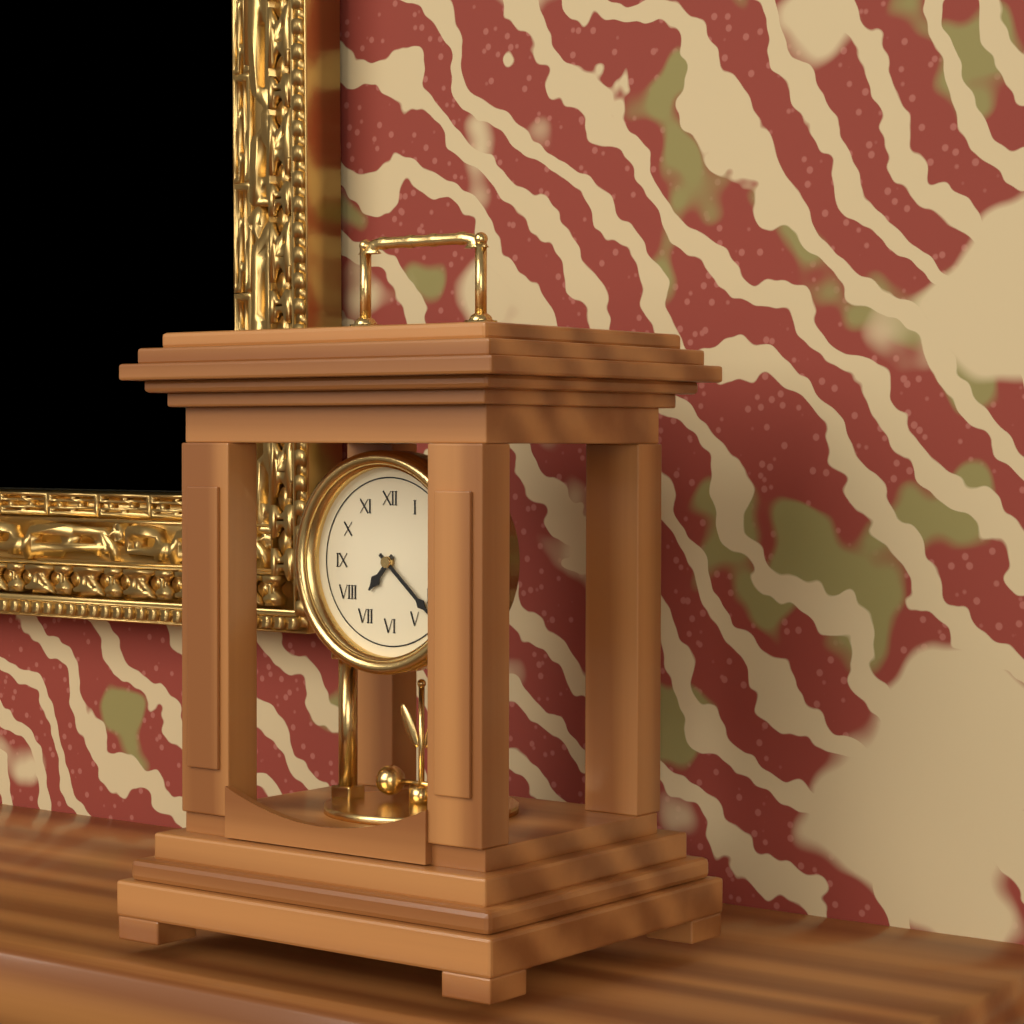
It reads 7:22
